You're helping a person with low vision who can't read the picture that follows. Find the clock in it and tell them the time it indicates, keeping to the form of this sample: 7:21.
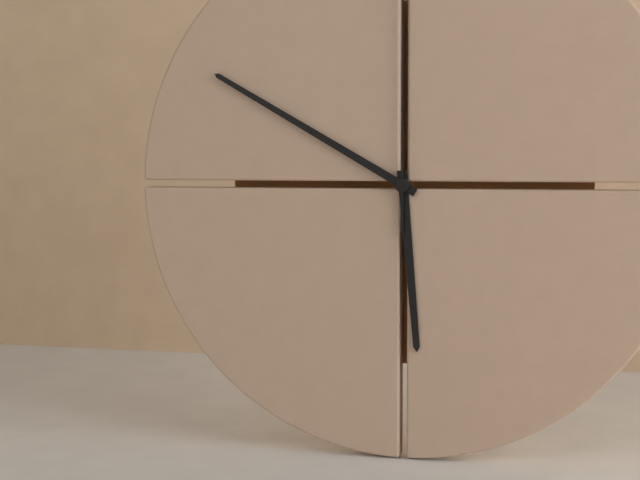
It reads 5:50
